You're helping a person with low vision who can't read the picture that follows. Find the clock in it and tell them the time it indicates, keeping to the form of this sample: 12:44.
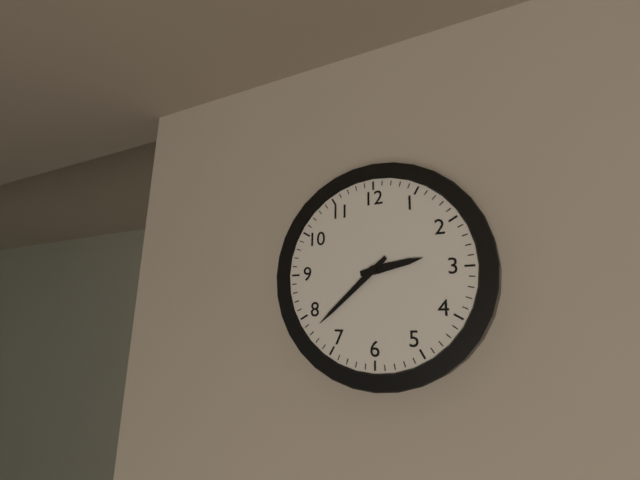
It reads 2:38
